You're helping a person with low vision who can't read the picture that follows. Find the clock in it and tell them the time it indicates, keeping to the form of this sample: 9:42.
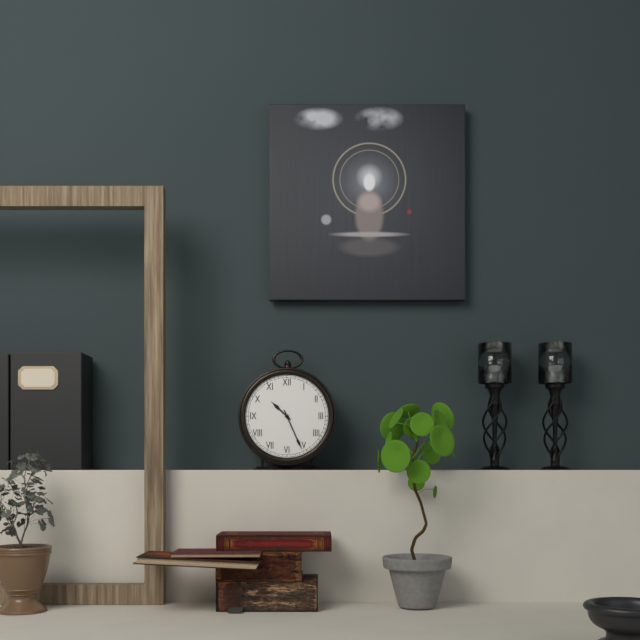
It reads 10:26
